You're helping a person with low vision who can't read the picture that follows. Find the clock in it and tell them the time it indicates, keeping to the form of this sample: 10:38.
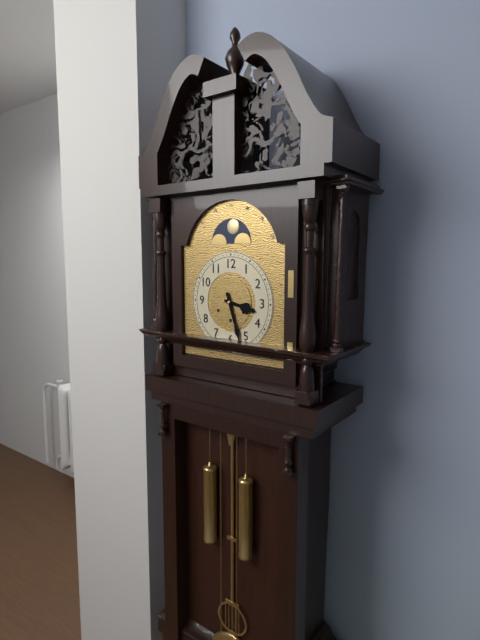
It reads 3:27
